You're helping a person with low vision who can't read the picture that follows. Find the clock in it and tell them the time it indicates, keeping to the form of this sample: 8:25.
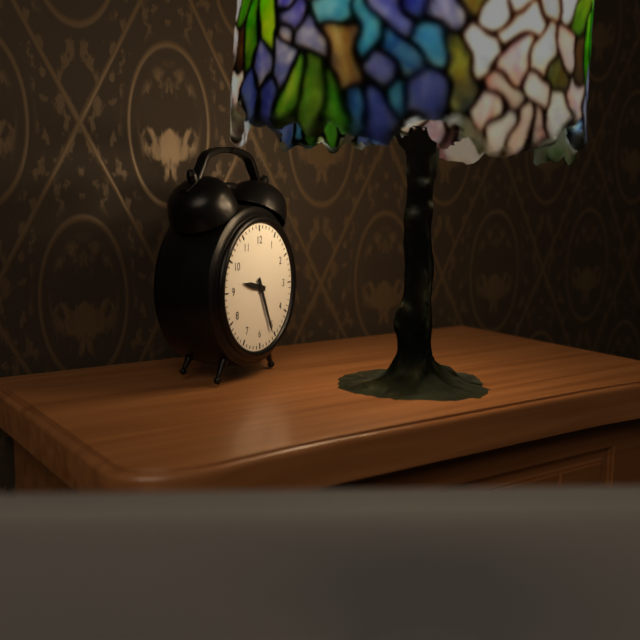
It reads 9:26
